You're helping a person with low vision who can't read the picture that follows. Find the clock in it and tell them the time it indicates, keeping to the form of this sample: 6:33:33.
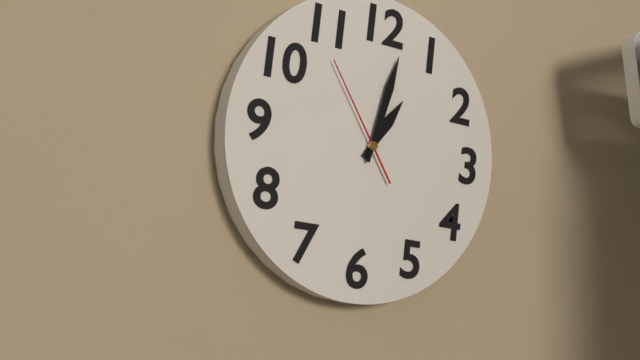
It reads 1:02:54
